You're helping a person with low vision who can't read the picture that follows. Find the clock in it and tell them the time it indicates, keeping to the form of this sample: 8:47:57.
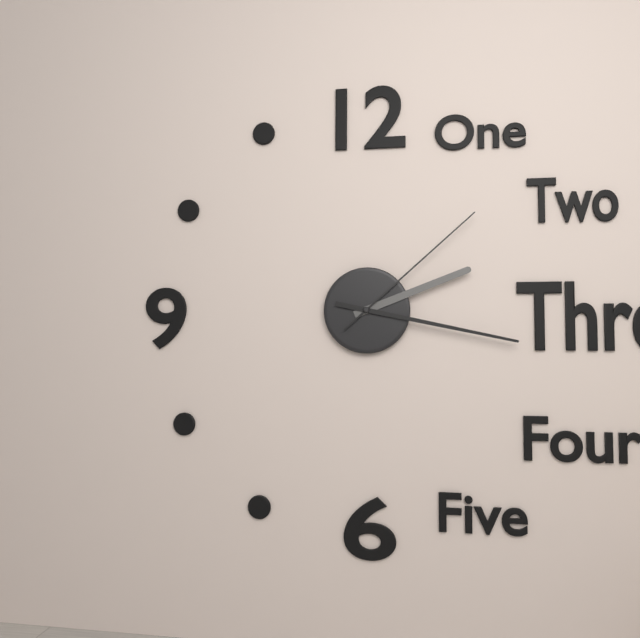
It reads 2:17:08
